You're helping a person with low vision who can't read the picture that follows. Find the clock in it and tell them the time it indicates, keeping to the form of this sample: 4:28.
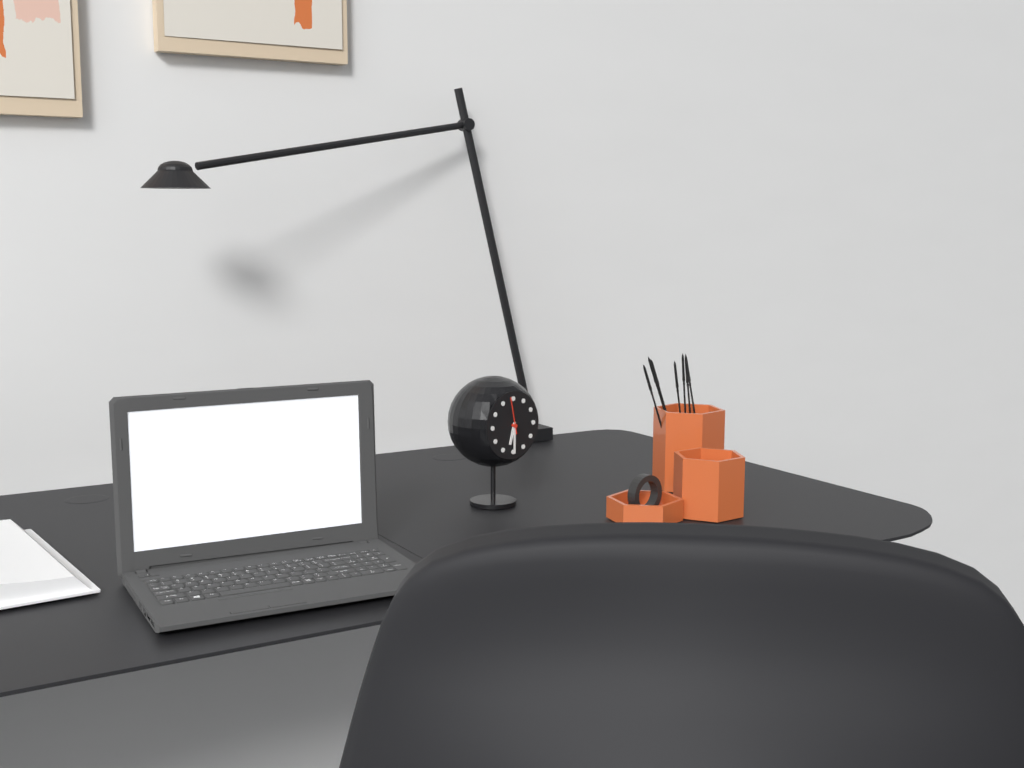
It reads 6:30
